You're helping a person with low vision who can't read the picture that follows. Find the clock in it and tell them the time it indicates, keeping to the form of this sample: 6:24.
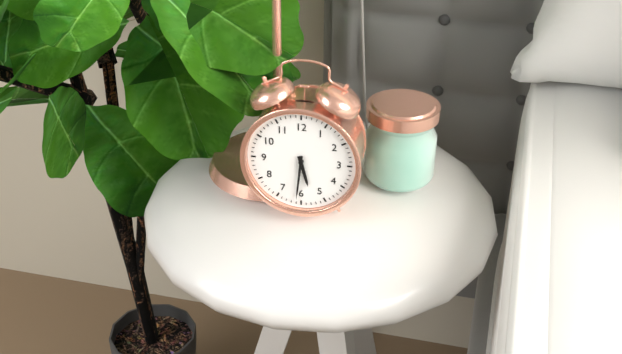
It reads 5:31
